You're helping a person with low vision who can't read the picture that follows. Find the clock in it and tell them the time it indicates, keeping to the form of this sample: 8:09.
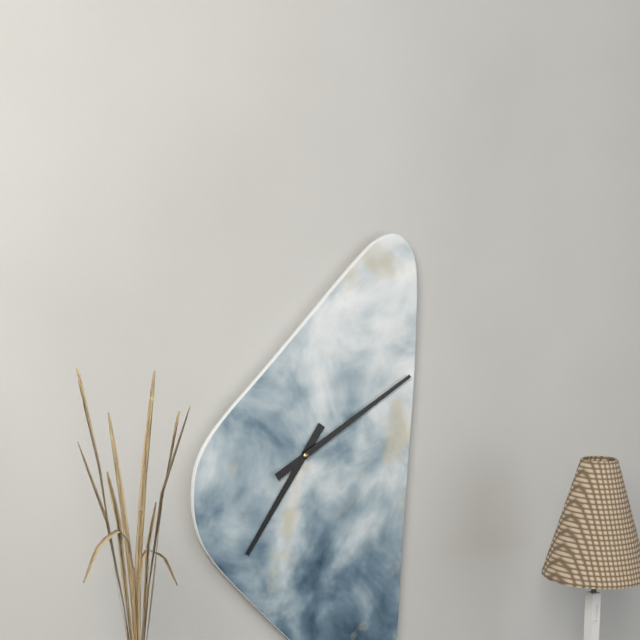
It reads 7:10
